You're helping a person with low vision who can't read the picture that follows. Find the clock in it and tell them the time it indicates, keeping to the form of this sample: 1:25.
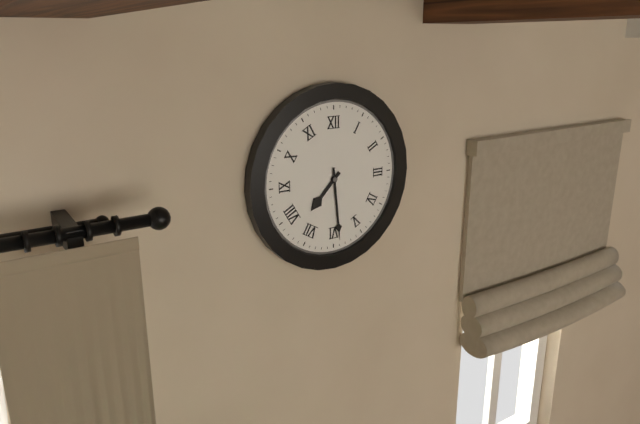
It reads 7:29
